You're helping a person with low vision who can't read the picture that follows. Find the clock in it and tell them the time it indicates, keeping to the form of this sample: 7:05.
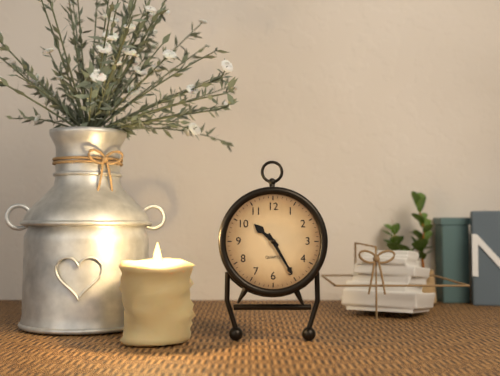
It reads 10:25
